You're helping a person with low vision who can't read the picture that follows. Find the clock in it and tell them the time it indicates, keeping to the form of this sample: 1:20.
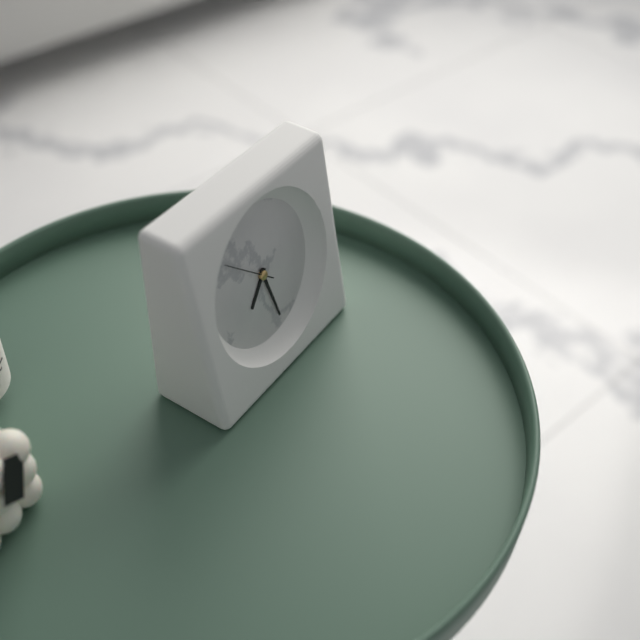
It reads 7:28
